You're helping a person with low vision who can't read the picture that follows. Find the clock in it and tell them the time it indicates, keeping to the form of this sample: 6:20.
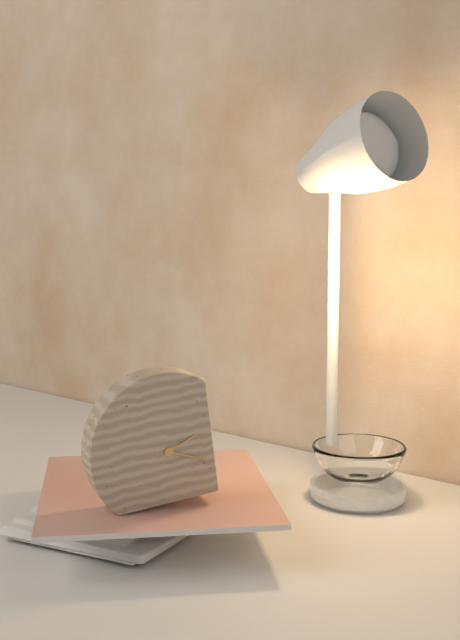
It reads 2:19
